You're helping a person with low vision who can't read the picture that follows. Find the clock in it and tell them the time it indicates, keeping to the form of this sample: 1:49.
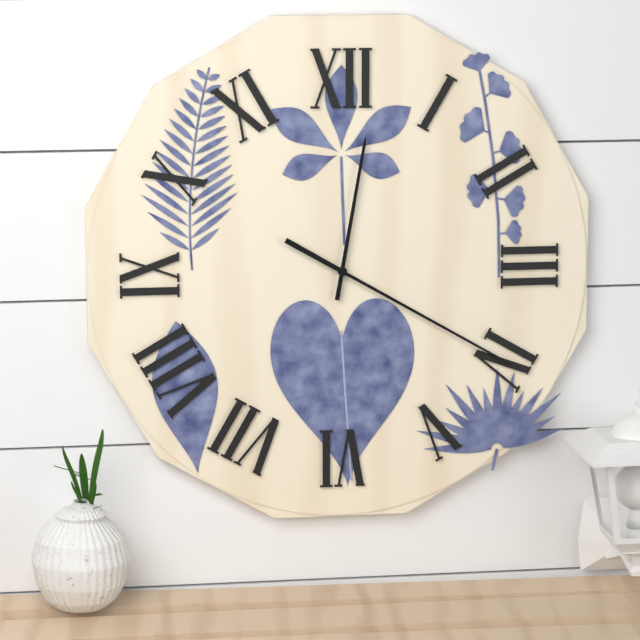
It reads 12:20
